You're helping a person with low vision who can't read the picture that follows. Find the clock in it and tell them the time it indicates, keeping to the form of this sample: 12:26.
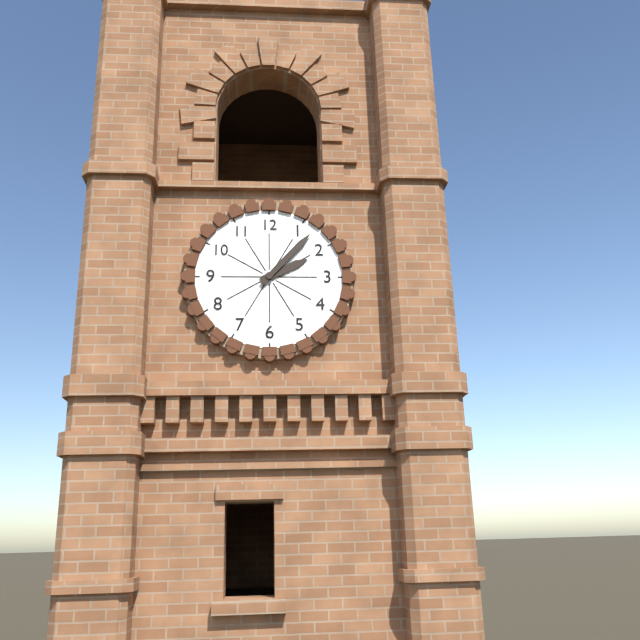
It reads 2:07
